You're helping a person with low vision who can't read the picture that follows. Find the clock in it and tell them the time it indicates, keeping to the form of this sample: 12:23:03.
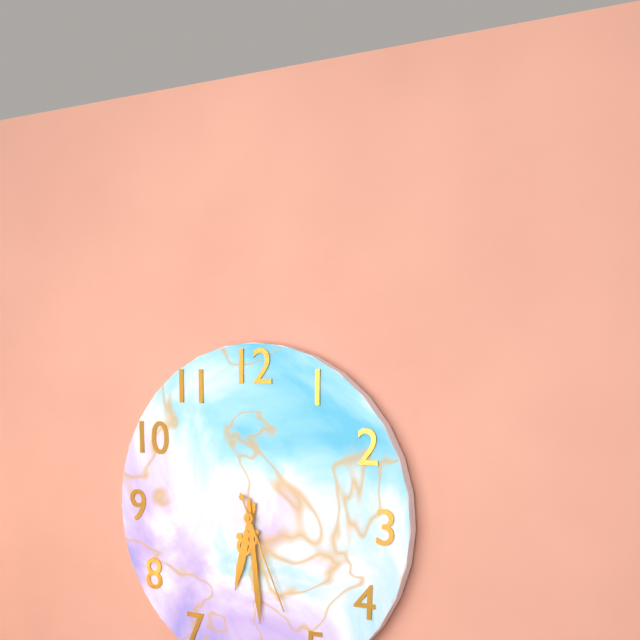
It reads 6:29:26
